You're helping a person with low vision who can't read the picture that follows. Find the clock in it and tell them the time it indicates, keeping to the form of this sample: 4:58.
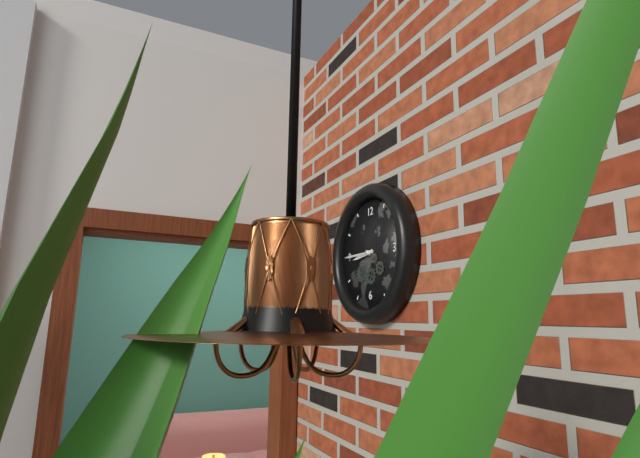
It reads 8:45
